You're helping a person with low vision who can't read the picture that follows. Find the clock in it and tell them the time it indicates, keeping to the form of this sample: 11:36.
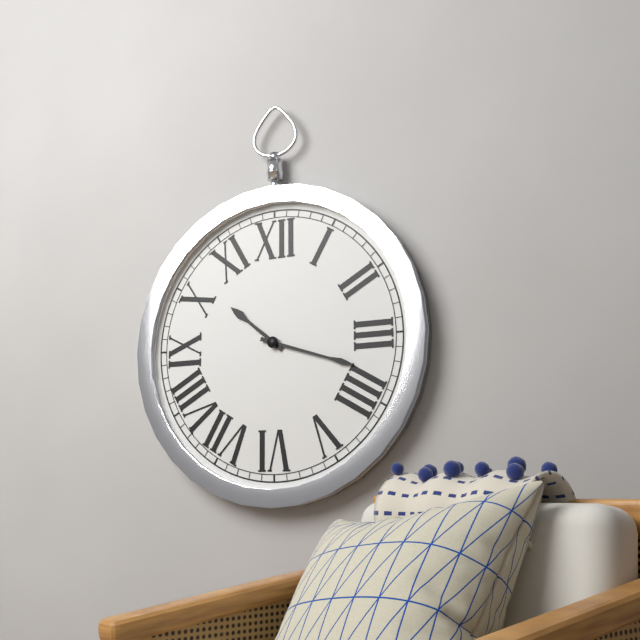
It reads 10:18
